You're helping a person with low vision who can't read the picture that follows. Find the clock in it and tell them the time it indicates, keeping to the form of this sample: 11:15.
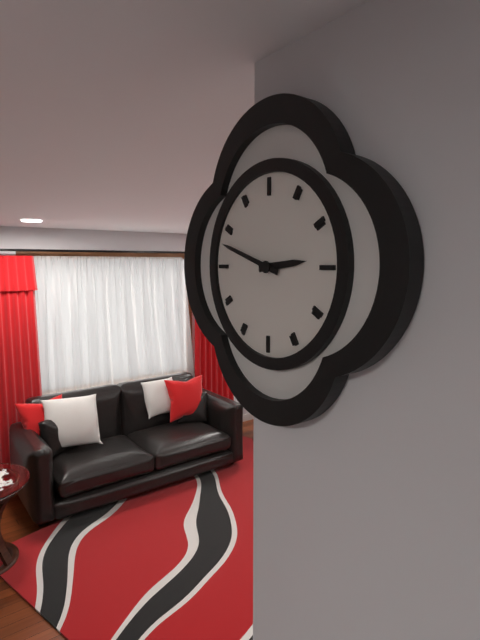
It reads 2:48
